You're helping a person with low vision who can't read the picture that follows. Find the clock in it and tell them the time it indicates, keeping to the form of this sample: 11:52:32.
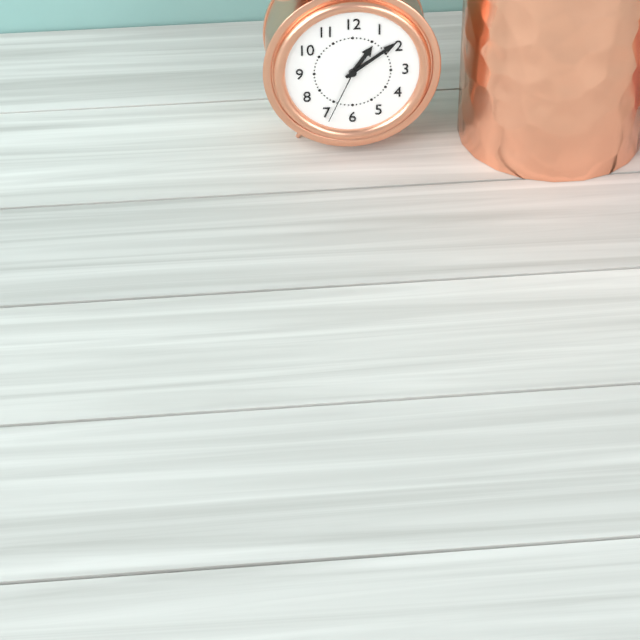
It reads 1:09:34
